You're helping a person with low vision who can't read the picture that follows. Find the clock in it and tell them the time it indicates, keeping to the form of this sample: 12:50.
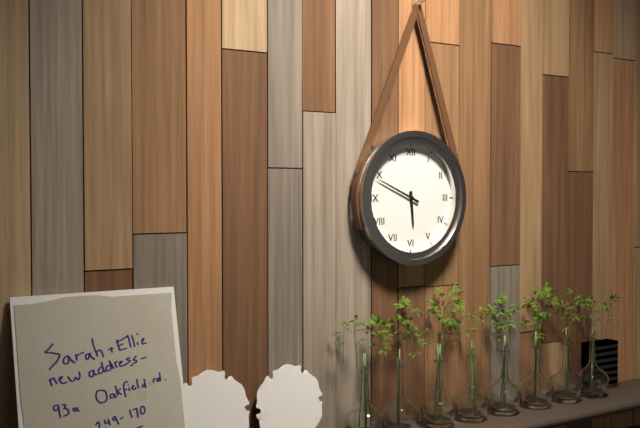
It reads 5:49
